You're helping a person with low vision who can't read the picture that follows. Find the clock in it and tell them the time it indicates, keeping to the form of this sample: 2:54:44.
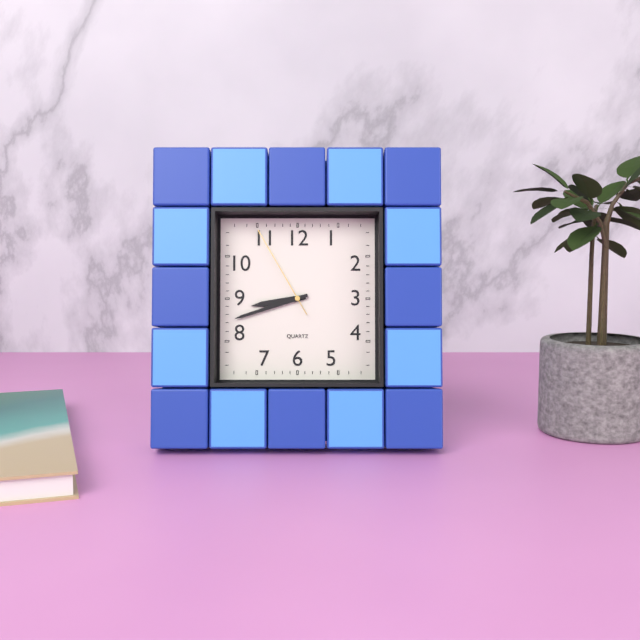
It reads 8:42:55
